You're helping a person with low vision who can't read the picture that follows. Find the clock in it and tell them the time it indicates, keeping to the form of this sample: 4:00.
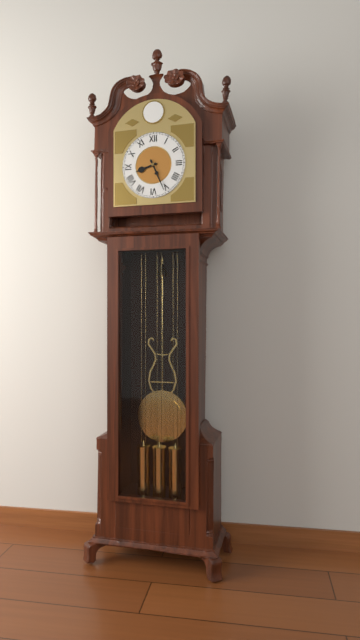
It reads 8:26
